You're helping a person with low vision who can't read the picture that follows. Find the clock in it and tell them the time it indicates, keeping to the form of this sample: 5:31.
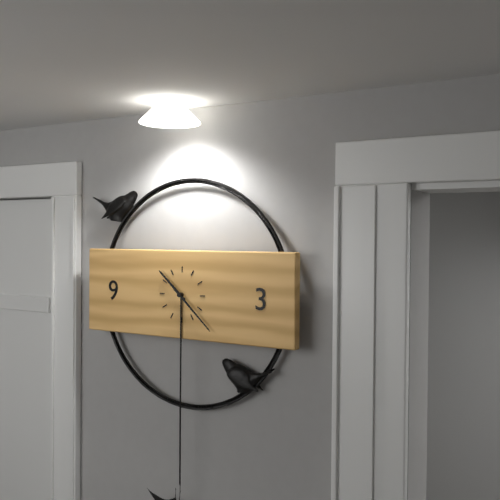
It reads 10:22
